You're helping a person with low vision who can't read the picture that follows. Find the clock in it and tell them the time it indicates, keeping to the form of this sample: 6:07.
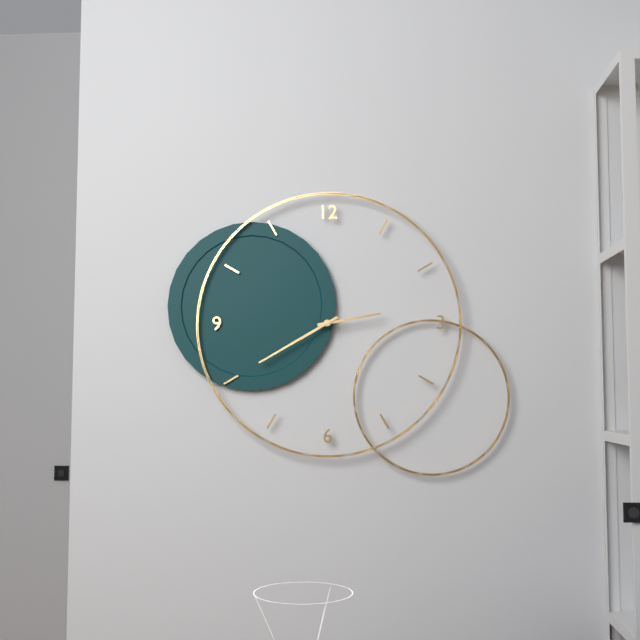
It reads 2:40
